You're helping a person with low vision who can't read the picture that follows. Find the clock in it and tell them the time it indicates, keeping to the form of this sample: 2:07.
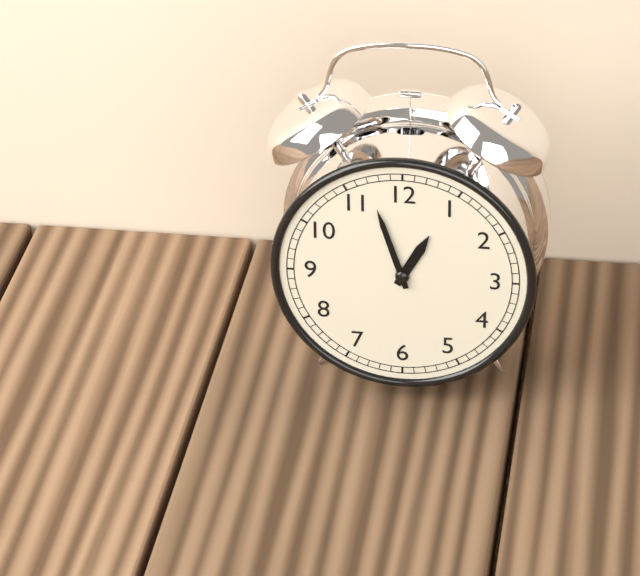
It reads 12:57
